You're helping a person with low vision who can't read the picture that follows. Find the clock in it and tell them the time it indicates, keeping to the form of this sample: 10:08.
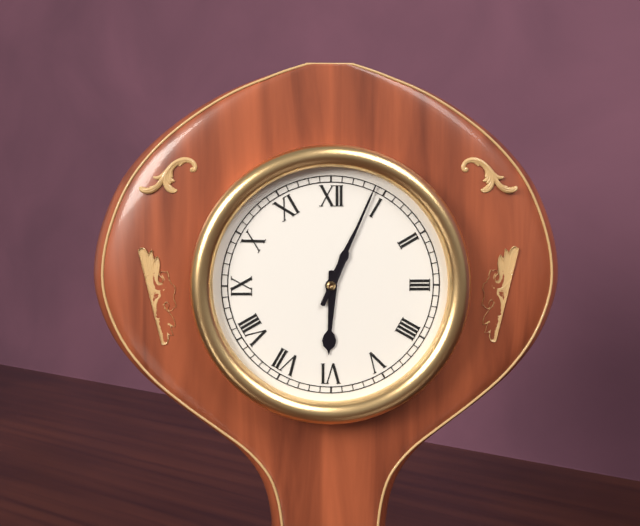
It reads 6:04
